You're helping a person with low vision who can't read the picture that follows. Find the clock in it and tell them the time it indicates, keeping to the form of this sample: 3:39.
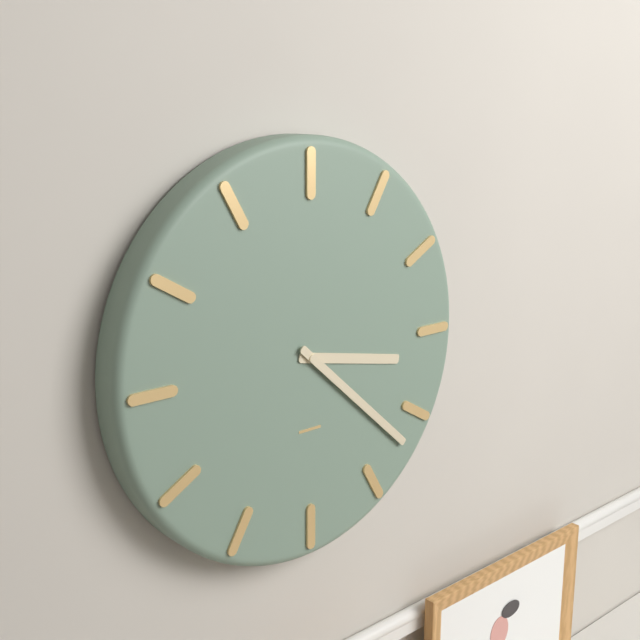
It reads 3:22
